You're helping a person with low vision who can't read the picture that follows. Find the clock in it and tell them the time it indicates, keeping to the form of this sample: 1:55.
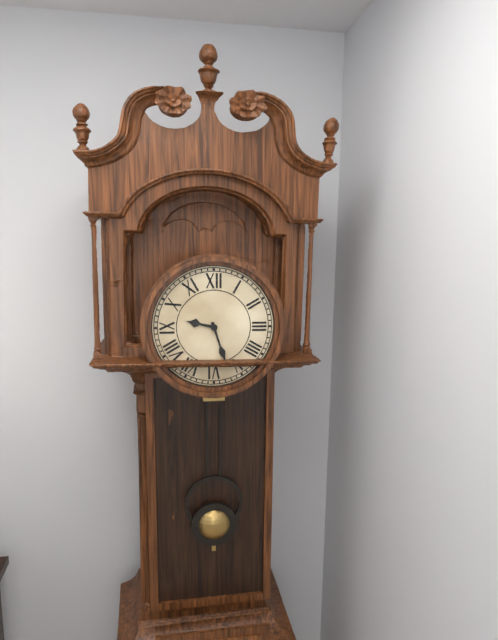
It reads 9:27
